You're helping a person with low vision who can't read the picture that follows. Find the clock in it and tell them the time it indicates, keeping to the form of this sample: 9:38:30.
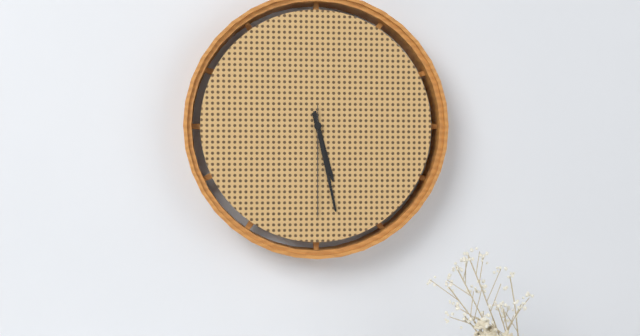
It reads 5:28:30
